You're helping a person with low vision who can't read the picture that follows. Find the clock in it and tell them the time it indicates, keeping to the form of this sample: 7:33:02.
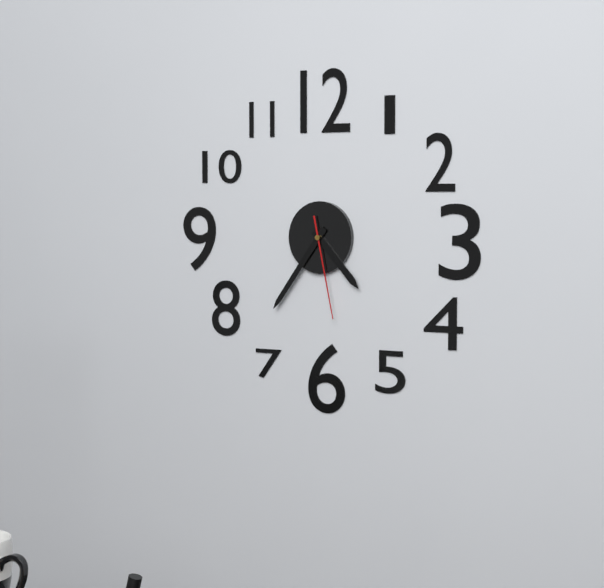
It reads 4:36:28
